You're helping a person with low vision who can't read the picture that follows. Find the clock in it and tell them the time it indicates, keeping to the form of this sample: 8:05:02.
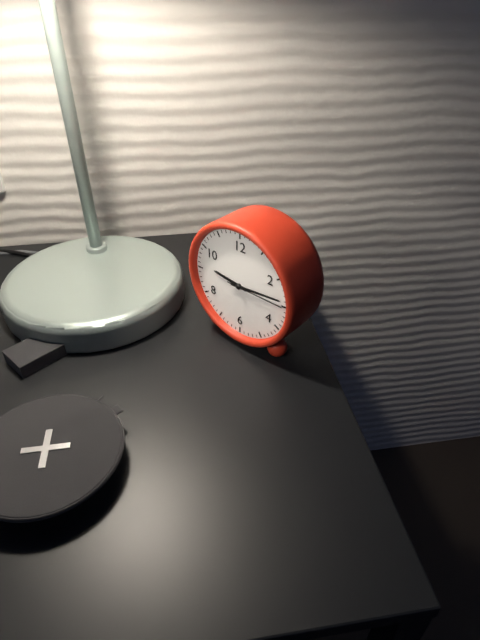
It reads 9:14:15
